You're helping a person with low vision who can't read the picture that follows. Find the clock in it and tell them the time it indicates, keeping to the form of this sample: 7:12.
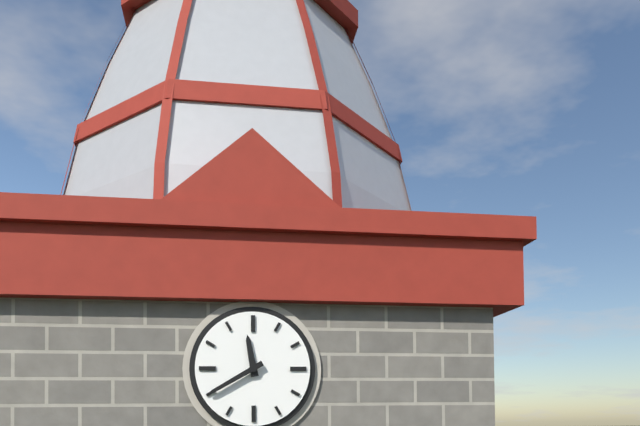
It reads 11:40
